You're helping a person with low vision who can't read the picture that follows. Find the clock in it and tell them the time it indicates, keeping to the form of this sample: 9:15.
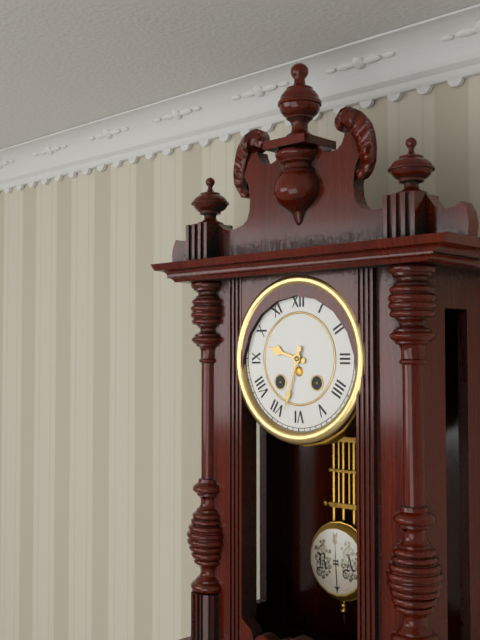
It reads 9:33
